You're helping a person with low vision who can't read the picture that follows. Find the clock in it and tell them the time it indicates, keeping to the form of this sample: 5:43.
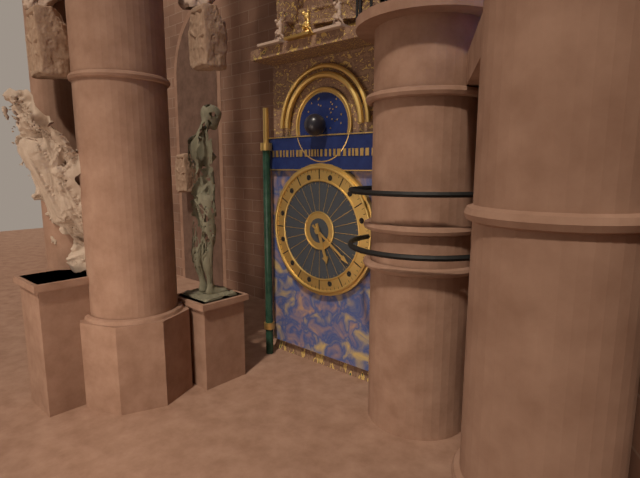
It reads 5:21
